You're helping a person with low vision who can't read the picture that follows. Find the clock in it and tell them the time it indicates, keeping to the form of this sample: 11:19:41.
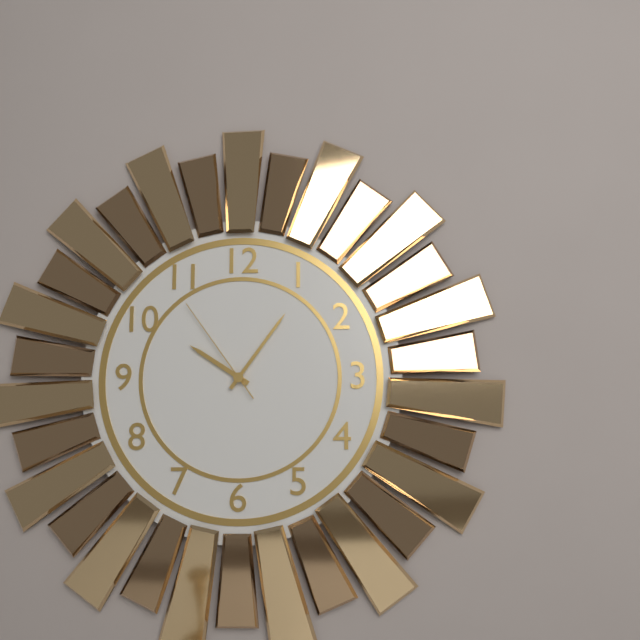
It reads 10:06:54
